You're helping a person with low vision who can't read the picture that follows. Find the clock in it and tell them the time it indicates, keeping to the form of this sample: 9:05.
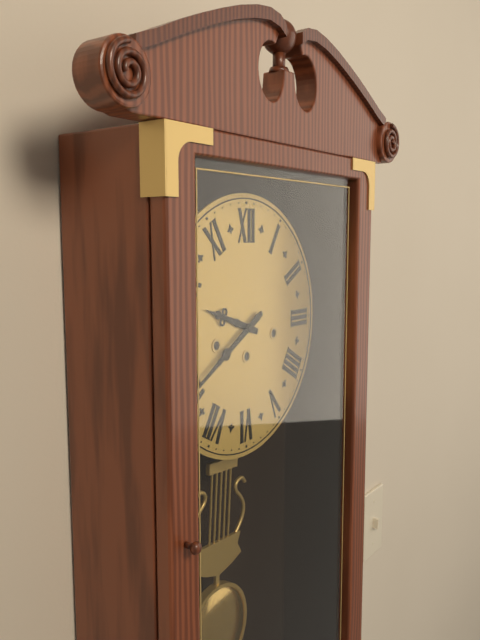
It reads 9:40
